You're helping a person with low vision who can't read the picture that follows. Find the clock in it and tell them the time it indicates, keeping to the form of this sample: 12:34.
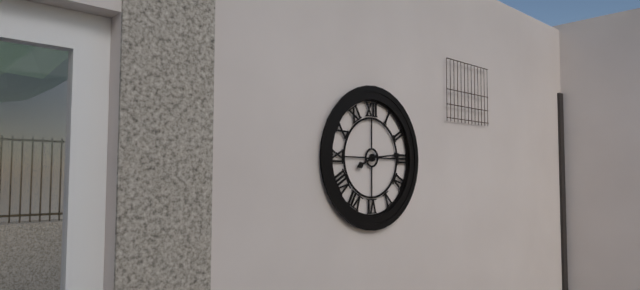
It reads 8:14
